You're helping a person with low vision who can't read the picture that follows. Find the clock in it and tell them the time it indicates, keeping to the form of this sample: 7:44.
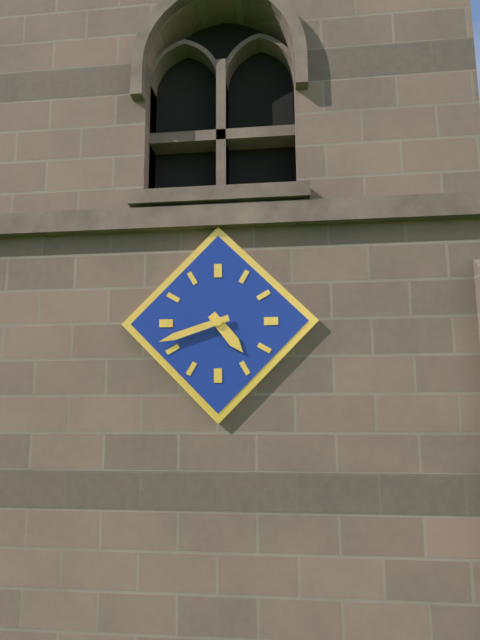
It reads 4:42
